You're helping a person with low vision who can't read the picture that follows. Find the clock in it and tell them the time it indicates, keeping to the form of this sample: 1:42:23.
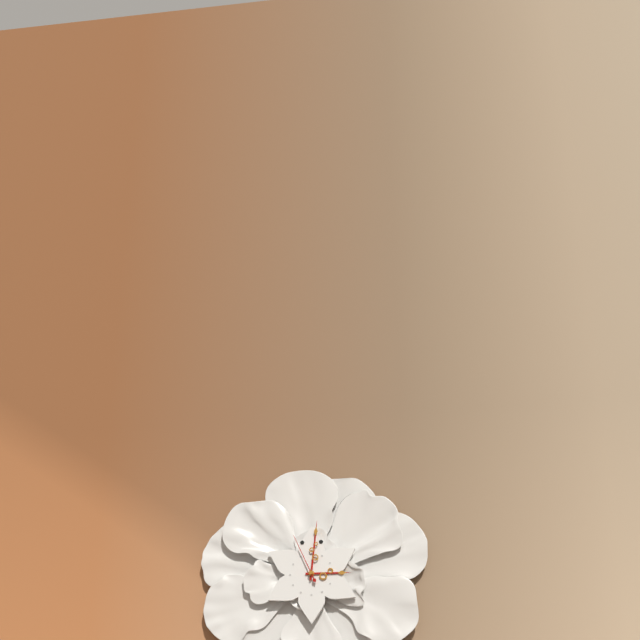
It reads 3:01:56
